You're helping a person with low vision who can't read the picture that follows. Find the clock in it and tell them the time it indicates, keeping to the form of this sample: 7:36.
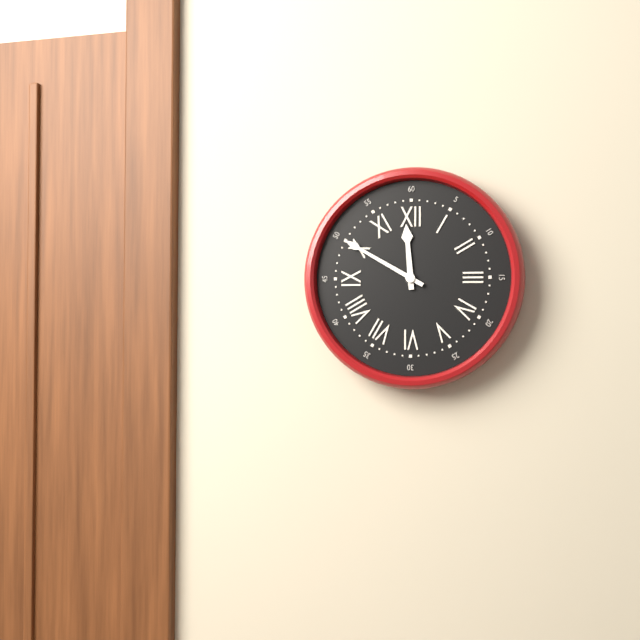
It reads 11:50
